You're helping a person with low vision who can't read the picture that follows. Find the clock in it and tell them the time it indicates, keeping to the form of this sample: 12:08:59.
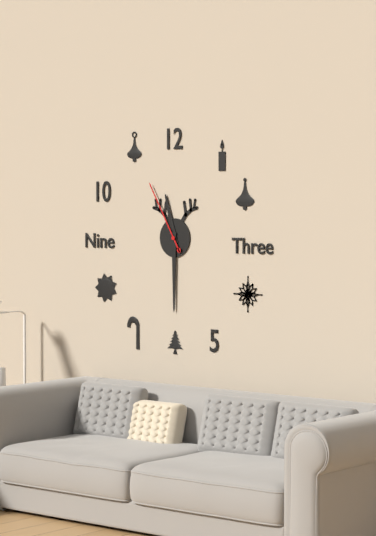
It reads 11:30:55
